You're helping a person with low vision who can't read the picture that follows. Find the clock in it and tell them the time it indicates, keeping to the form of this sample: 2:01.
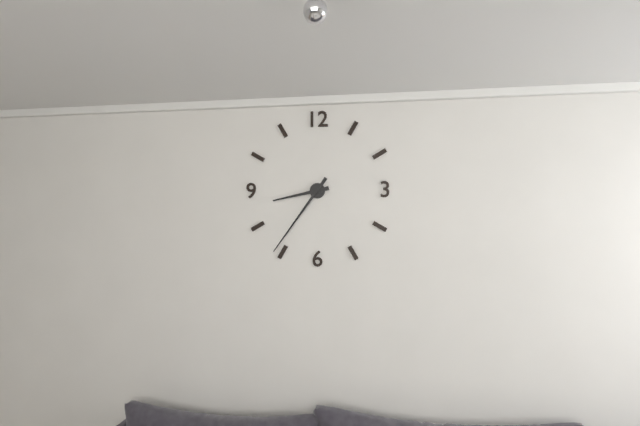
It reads 8:36
